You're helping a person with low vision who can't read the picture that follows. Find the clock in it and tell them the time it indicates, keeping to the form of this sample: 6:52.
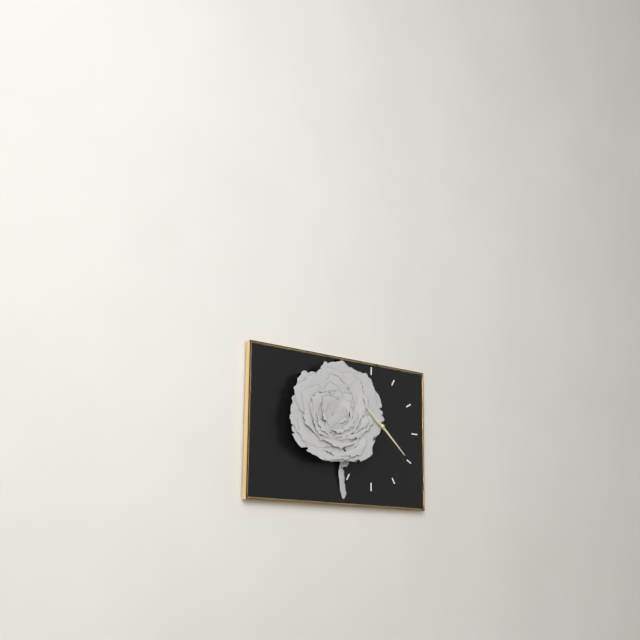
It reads 10:22
